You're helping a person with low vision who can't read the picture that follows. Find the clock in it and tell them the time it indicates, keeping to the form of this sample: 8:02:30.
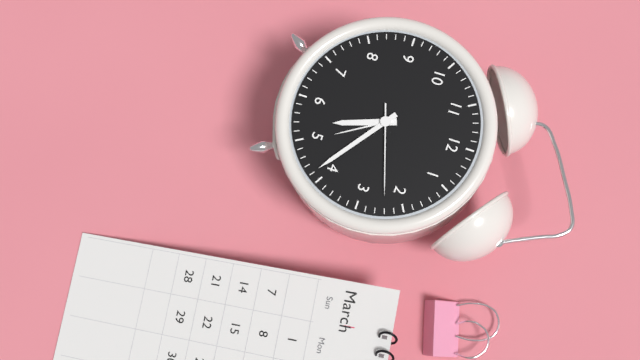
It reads 5:21:12
